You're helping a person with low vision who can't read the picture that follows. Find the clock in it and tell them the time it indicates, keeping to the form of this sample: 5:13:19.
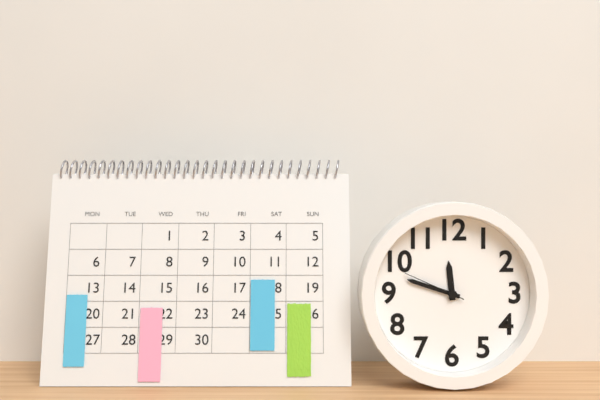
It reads 11:48:49
